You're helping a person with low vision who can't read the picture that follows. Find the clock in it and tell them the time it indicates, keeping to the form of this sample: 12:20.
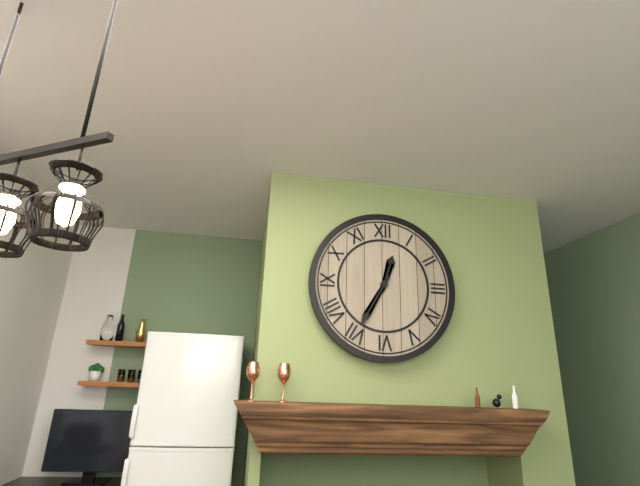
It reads 12:35
